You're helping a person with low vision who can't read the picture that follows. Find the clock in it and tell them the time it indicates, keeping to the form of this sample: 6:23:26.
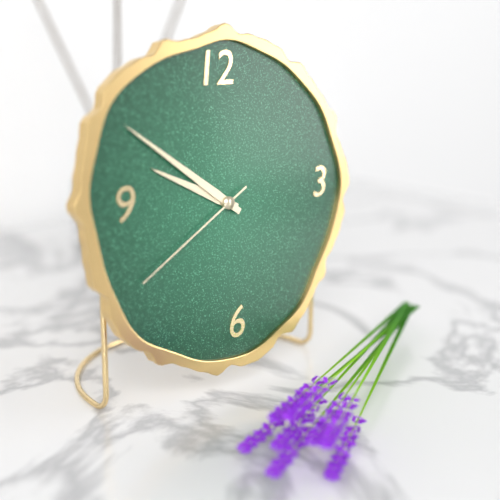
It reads 9:51:40
